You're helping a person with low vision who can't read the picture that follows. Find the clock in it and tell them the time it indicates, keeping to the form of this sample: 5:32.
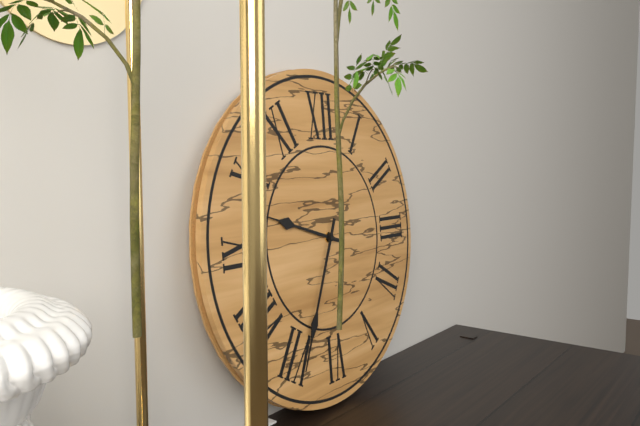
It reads 9:34
